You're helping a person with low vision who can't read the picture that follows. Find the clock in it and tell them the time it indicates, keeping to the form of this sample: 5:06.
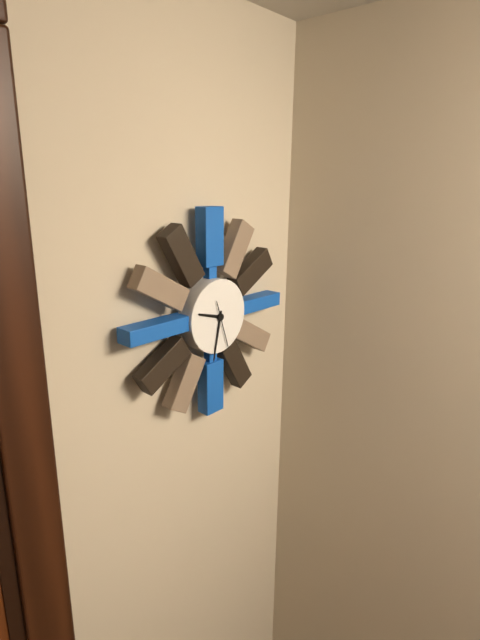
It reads 9:32
